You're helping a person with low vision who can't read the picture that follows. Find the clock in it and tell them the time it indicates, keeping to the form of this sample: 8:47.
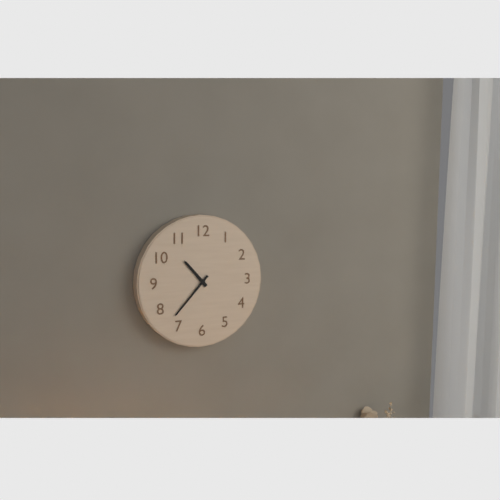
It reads 10:37
